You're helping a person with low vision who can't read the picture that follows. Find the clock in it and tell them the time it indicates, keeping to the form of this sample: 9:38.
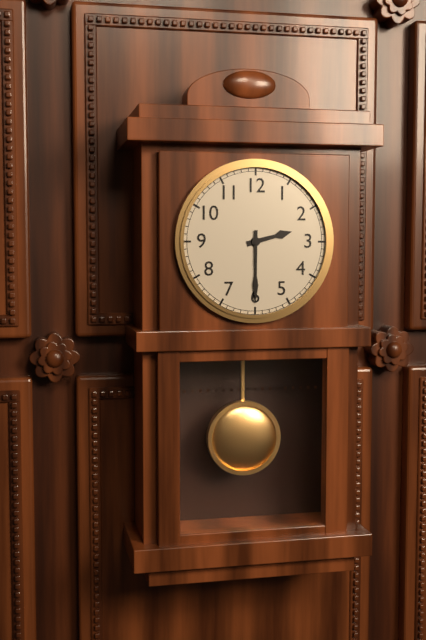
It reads 2:30
